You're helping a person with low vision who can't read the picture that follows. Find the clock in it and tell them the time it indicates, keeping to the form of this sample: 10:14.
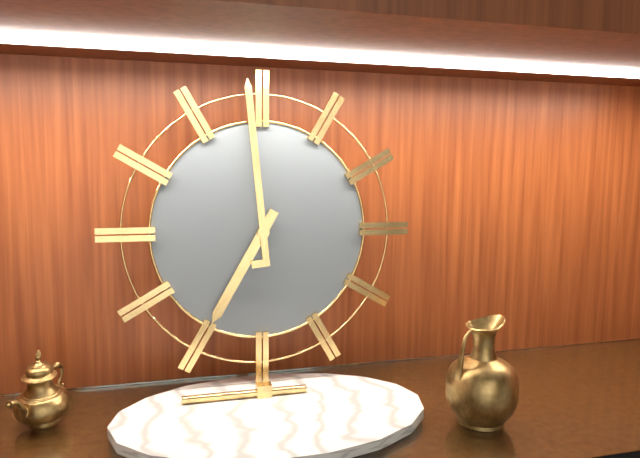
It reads 6:59
